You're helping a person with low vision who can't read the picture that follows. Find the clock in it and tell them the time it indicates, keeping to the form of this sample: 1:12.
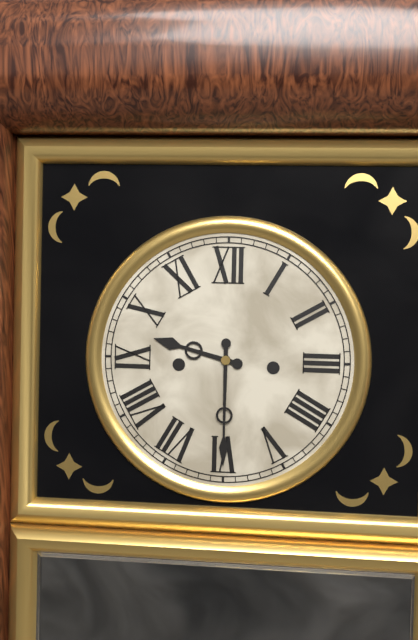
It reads 9:30
